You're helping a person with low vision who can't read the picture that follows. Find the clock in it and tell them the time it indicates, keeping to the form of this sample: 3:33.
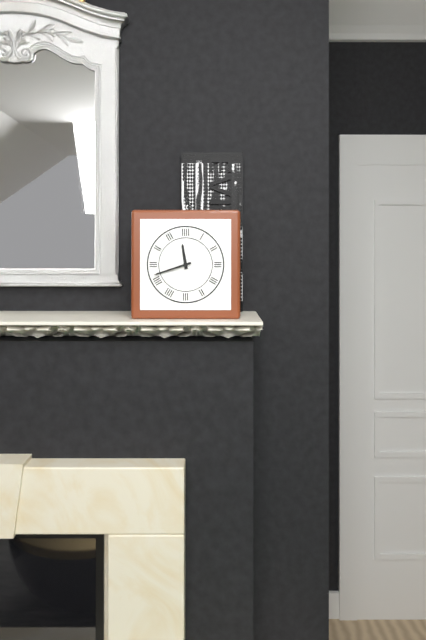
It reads 11:42
